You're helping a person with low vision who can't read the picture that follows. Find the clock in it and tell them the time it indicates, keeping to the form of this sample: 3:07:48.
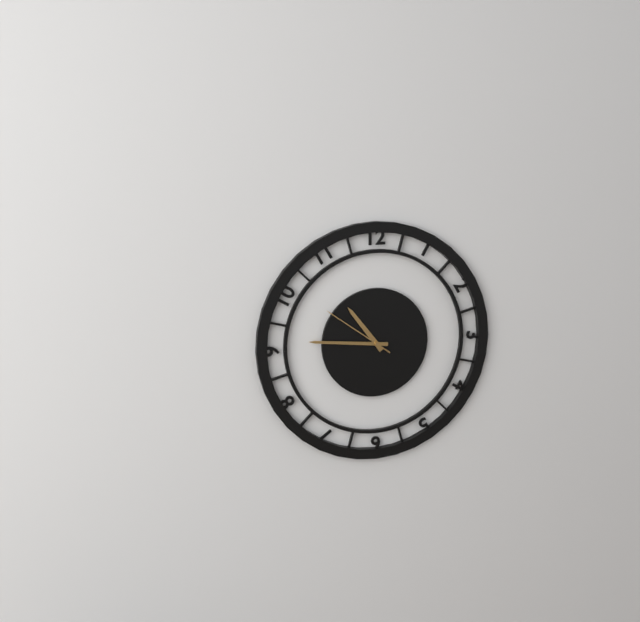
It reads 10:46:51
